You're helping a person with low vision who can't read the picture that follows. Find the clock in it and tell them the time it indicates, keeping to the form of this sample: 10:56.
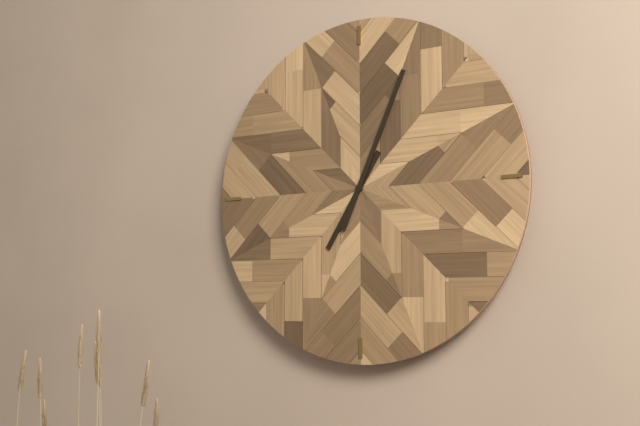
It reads 7:04
